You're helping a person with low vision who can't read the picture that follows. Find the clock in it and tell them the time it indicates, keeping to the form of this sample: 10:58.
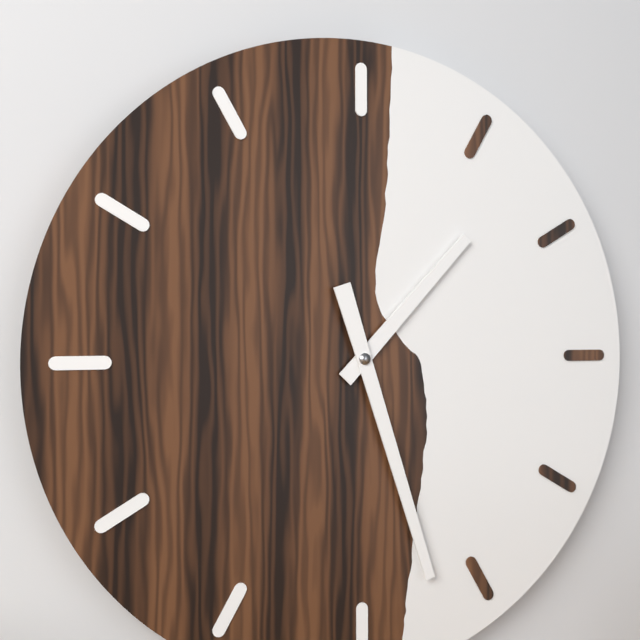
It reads 1:27
